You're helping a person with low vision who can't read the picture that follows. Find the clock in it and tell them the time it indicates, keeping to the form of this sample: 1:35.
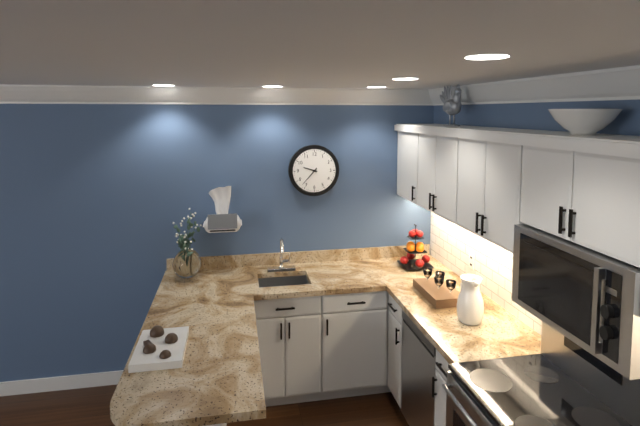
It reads 9:37
